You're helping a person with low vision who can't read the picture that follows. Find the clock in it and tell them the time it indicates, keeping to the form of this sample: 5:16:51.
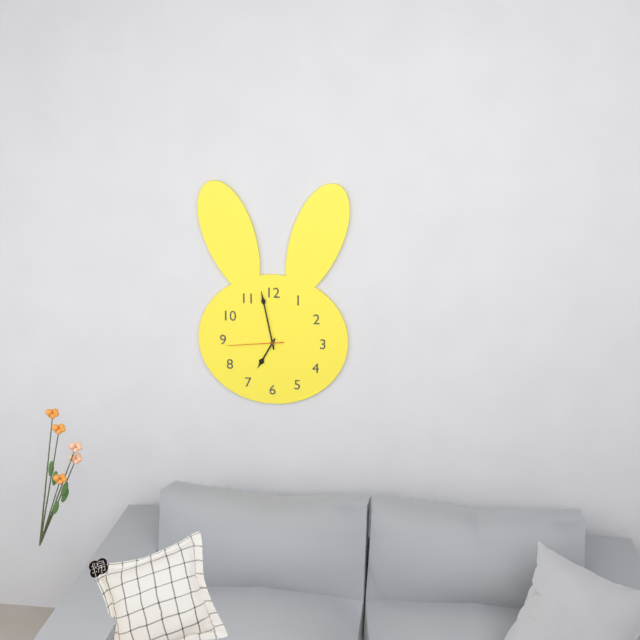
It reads 6:58:44
